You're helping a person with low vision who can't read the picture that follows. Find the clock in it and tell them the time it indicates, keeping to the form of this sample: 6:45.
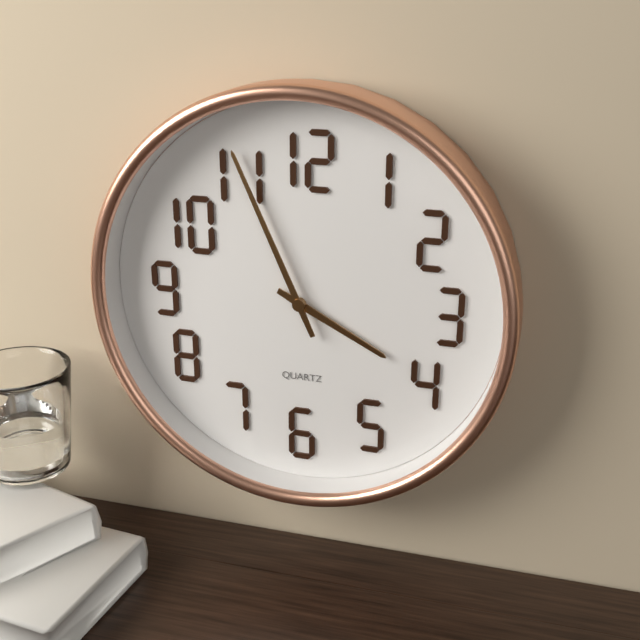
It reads 3:56
